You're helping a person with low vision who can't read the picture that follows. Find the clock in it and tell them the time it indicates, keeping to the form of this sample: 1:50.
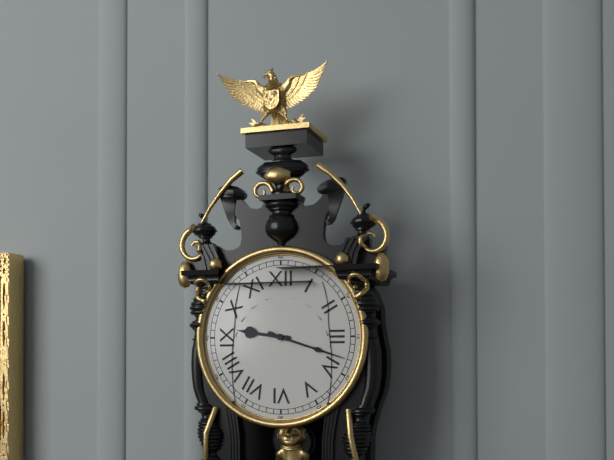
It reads 9:18
